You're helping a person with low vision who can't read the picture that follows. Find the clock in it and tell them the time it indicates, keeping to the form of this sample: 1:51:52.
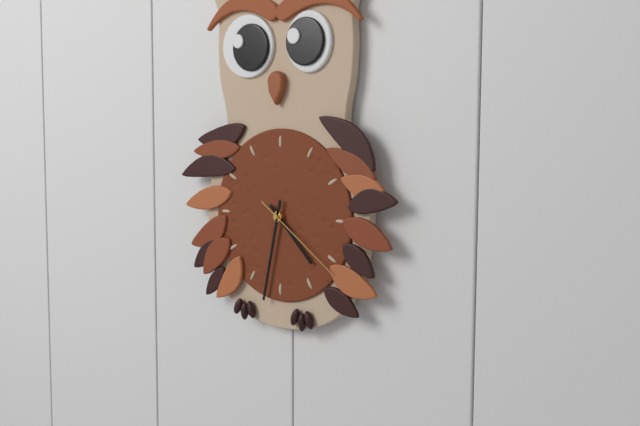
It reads 4:32:21
